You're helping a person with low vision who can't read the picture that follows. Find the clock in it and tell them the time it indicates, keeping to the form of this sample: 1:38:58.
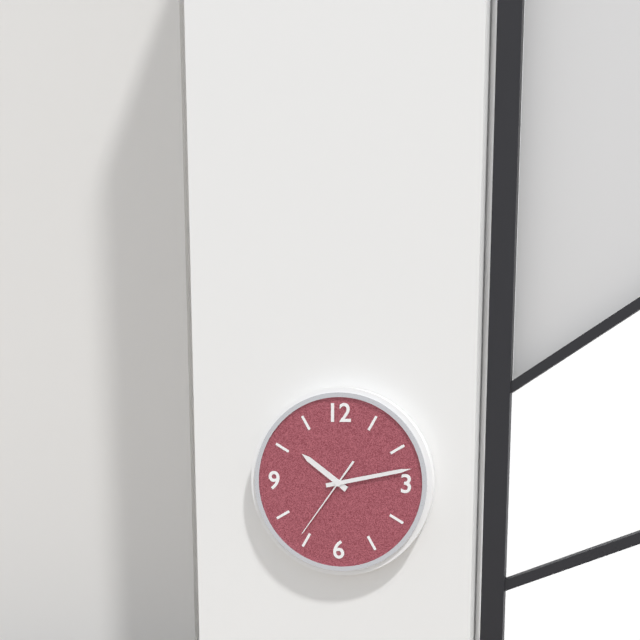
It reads 10:13:36
